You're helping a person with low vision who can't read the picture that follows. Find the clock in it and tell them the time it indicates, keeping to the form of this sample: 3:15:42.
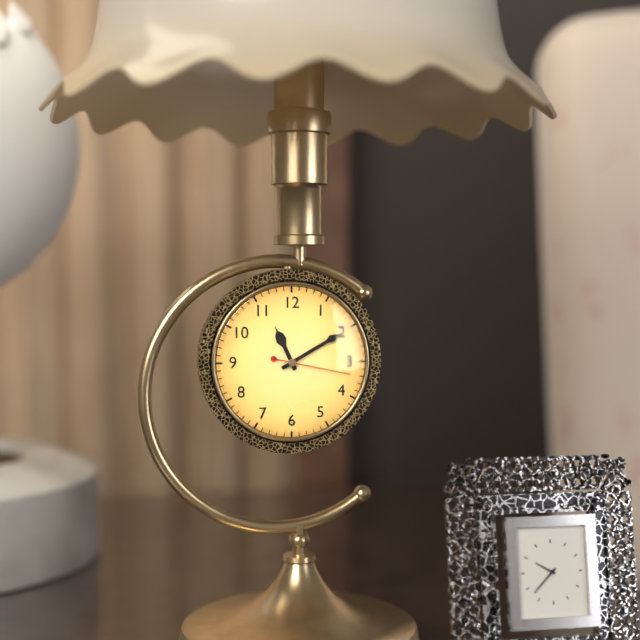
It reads 11:10:17
